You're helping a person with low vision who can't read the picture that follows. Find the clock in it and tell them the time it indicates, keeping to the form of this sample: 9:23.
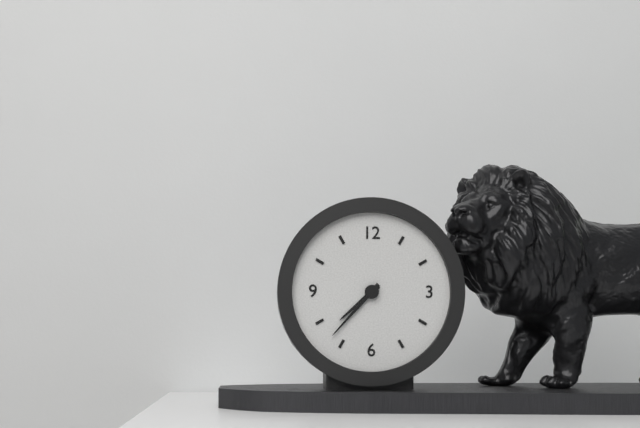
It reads 7:37
